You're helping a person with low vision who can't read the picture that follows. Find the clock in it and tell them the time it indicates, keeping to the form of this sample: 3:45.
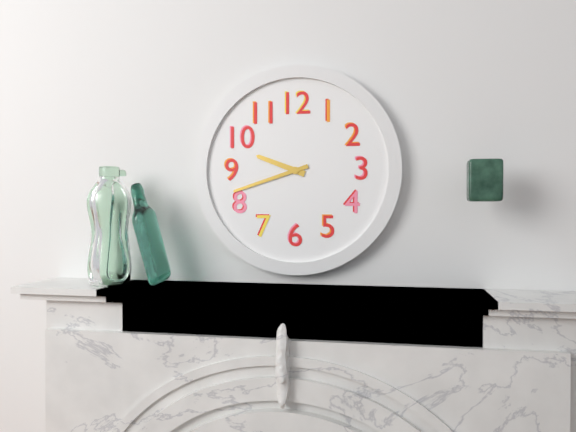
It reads 9:42
